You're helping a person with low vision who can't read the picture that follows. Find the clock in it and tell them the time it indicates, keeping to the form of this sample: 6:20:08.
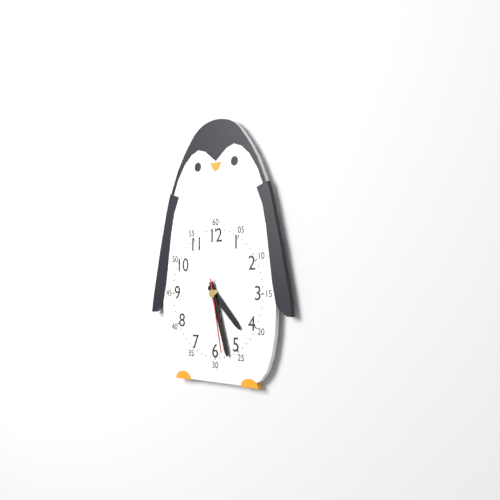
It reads 4:27:28
